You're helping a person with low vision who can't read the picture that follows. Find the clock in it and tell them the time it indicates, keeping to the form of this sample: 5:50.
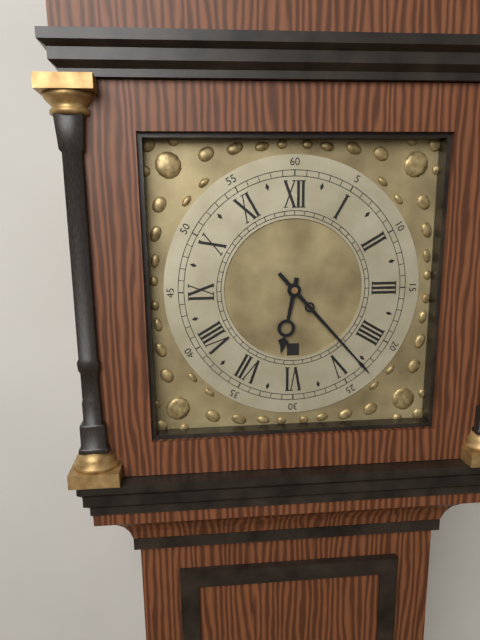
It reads 6:23
